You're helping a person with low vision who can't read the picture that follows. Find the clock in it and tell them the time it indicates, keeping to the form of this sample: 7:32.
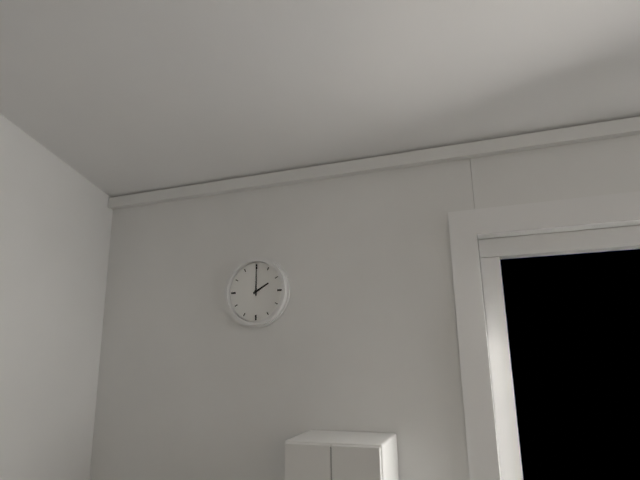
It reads 2:00
